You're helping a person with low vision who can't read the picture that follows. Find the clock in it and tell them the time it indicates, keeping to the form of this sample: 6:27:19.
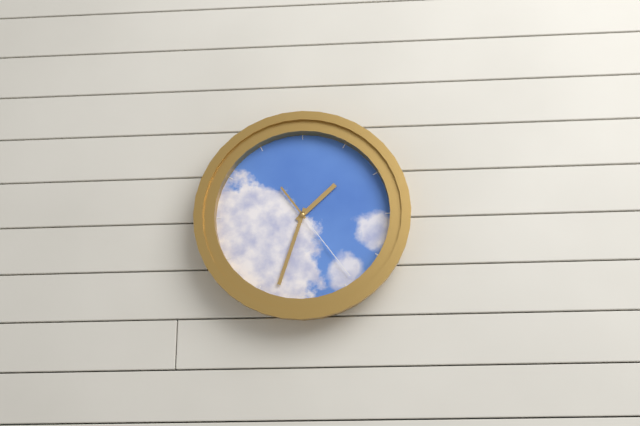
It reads 1:33:24
